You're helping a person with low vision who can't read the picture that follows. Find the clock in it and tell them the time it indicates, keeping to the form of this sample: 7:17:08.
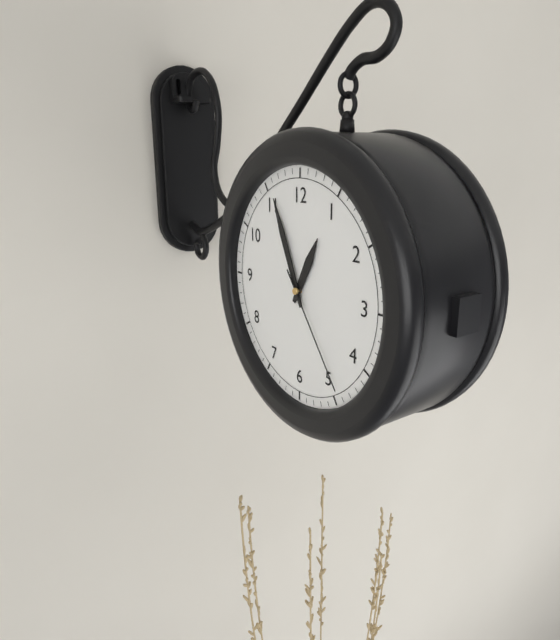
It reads 12:56:24
